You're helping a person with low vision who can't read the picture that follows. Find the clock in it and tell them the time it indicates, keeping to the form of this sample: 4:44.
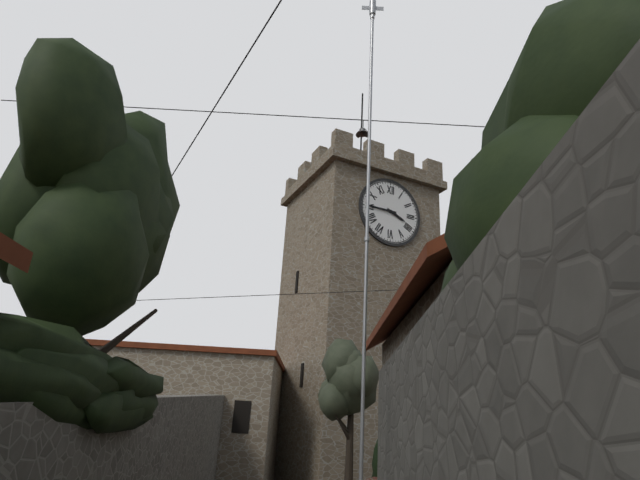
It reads 3:45
